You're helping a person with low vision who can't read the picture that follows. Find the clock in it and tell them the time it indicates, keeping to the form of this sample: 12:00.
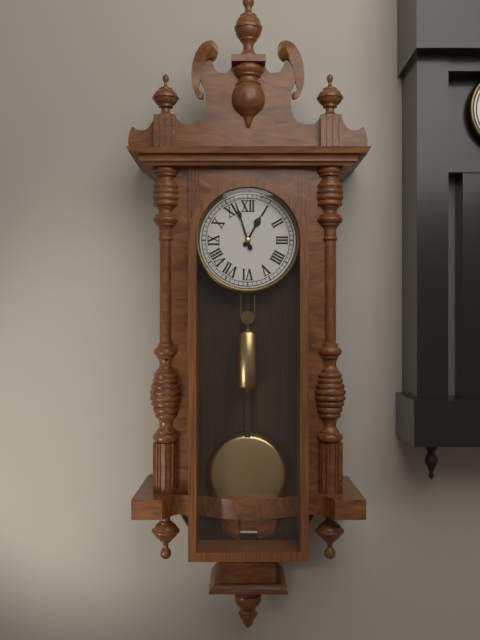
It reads 12:57
